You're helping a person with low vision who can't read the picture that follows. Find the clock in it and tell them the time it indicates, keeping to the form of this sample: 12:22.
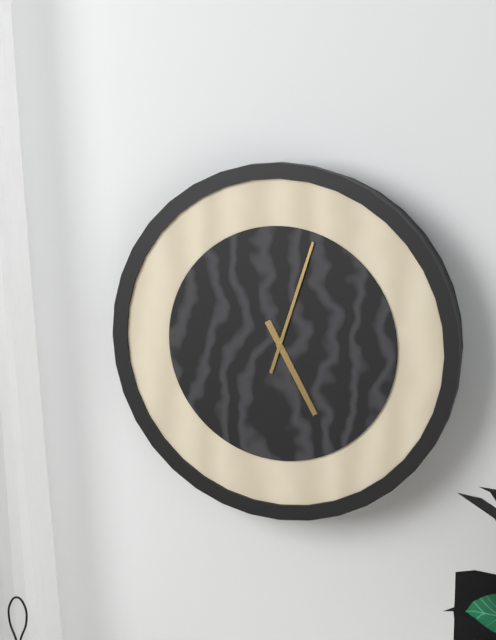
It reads 5:03
